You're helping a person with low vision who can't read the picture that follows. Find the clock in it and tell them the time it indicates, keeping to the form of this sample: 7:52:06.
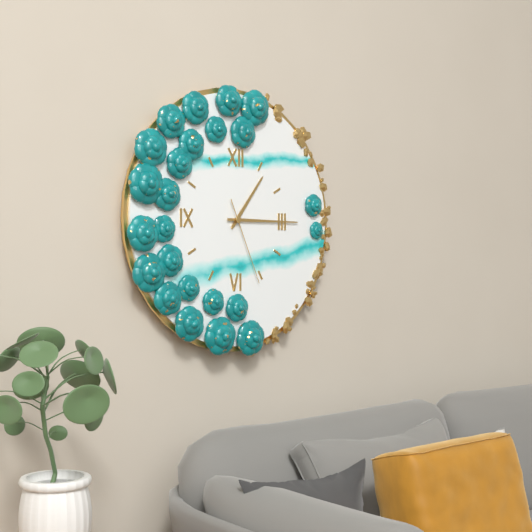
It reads 1:15:26
